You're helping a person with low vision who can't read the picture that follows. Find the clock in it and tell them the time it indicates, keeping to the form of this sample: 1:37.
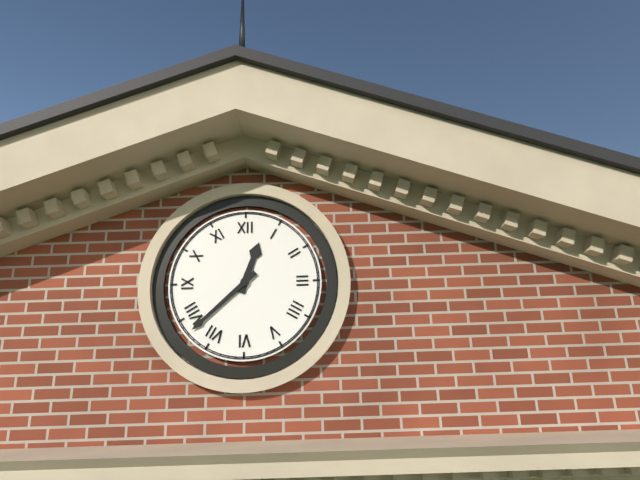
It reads 12:38
